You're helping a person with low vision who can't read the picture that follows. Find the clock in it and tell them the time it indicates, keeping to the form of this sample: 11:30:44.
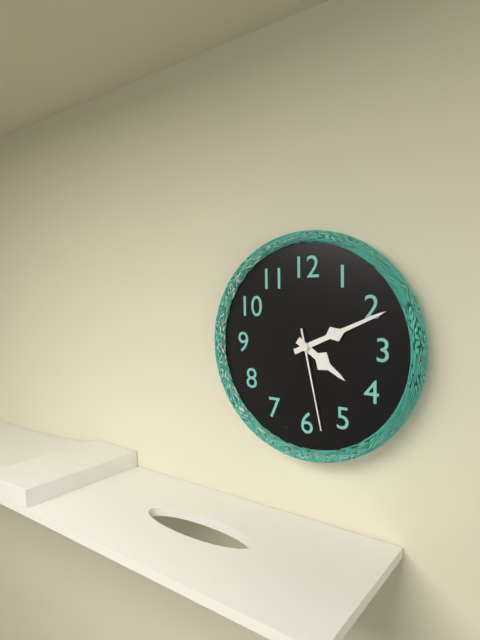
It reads 4:11:28
